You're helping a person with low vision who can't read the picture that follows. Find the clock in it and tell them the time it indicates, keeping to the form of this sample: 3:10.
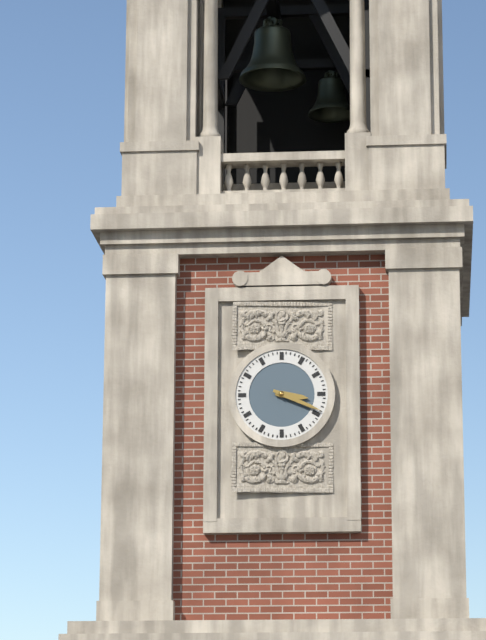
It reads 3:19
